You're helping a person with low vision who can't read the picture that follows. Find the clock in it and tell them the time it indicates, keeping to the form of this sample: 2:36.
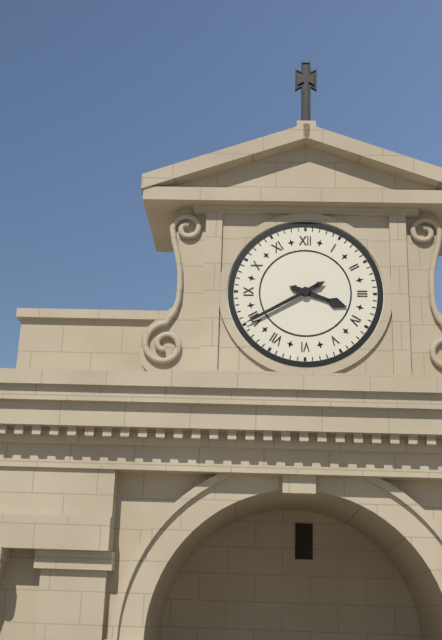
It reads 3:40
